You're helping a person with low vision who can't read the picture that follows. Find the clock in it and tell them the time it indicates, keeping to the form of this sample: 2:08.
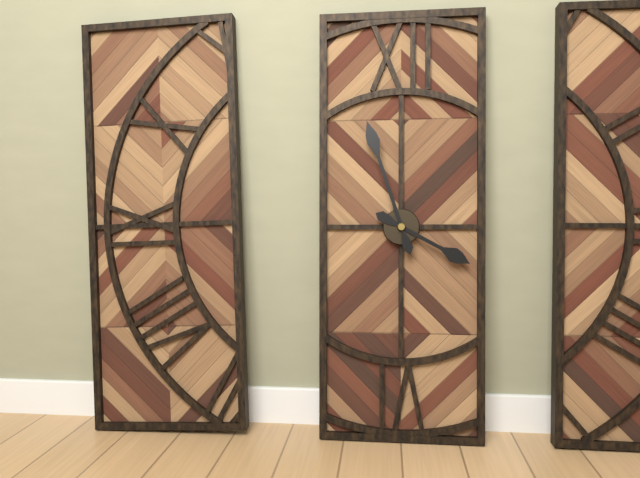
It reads 3:57
